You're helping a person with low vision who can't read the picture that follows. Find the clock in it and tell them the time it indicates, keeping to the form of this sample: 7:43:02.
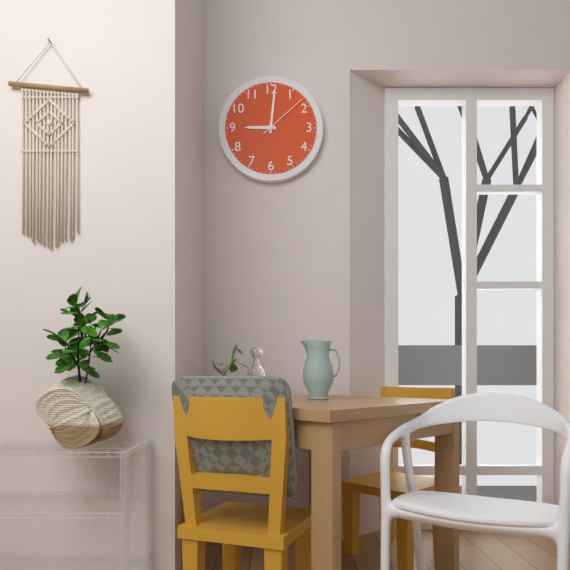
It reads 9:01:08
